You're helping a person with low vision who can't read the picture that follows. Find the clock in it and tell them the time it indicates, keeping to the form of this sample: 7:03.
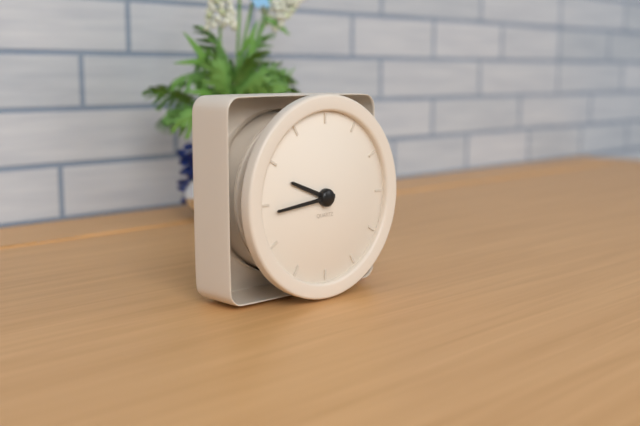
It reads 9:44
